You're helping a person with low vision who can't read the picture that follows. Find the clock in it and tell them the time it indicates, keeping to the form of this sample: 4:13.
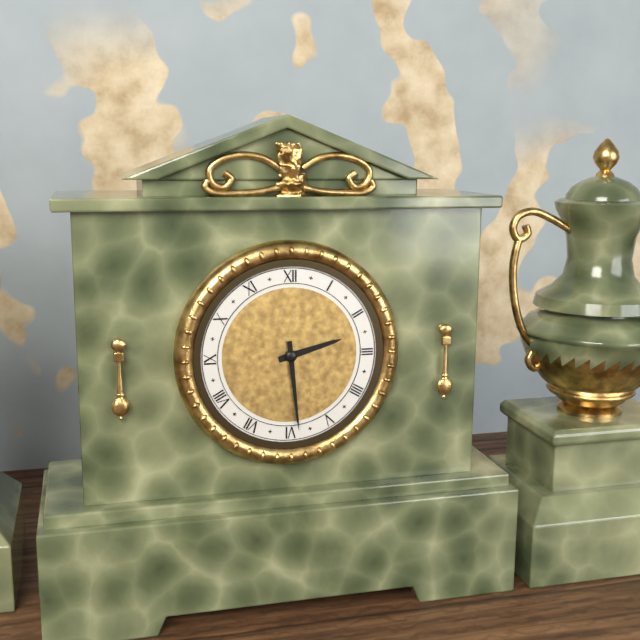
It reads 2:29
